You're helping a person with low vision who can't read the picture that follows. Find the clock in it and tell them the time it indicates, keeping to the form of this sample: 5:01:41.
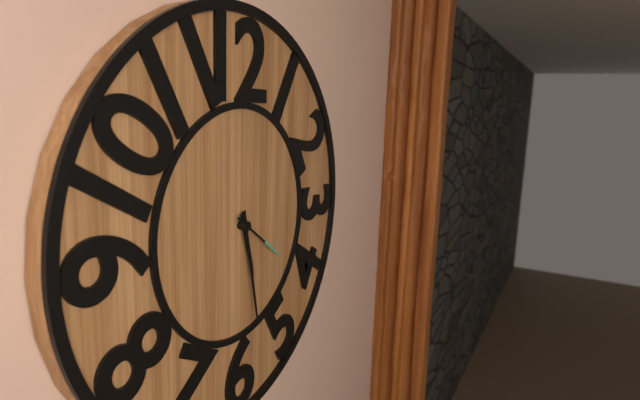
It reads 5:28:21
